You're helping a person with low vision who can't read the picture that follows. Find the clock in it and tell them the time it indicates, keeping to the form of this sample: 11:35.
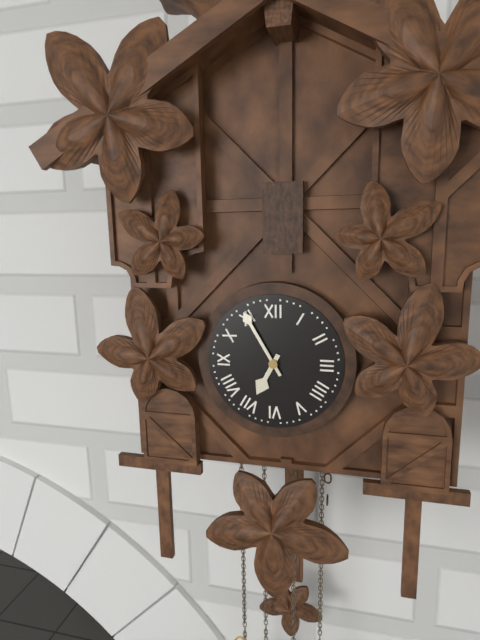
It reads 6:55
